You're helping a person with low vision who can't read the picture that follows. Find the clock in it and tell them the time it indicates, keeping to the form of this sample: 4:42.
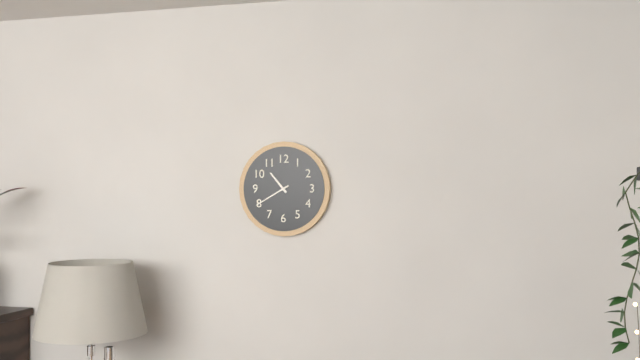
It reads 10:40
